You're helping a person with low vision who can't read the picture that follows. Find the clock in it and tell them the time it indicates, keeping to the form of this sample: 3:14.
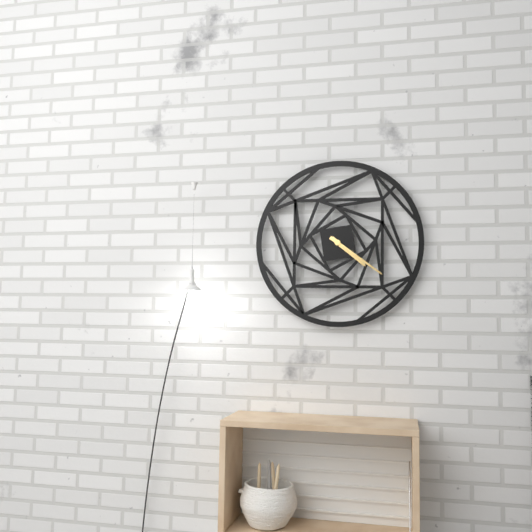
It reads 4:21
